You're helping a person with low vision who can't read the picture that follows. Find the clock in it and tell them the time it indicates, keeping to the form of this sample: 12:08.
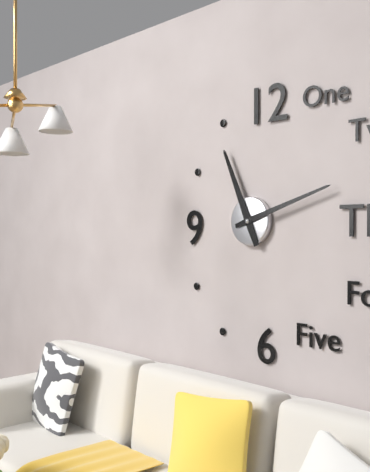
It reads 11:12
